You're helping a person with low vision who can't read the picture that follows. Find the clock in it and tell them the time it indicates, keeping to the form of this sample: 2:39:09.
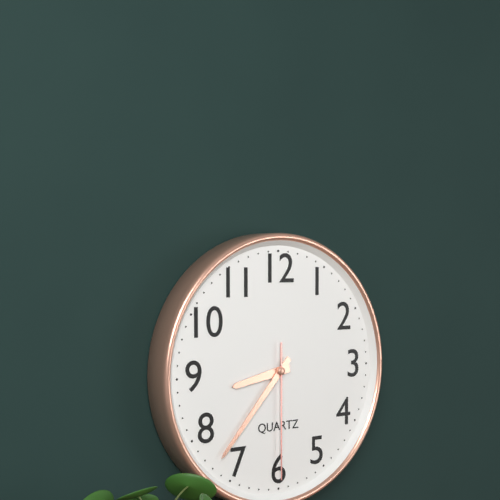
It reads 8:37:30
